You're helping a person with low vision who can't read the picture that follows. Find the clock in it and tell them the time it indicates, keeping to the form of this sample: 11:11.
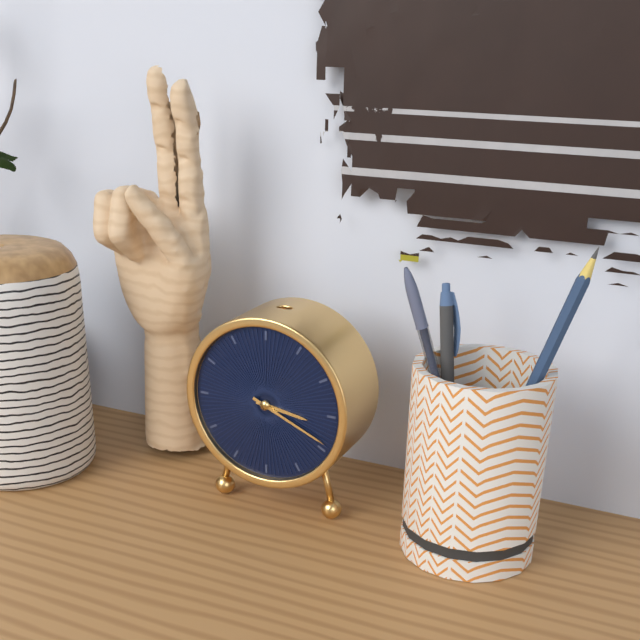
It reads 3:19
